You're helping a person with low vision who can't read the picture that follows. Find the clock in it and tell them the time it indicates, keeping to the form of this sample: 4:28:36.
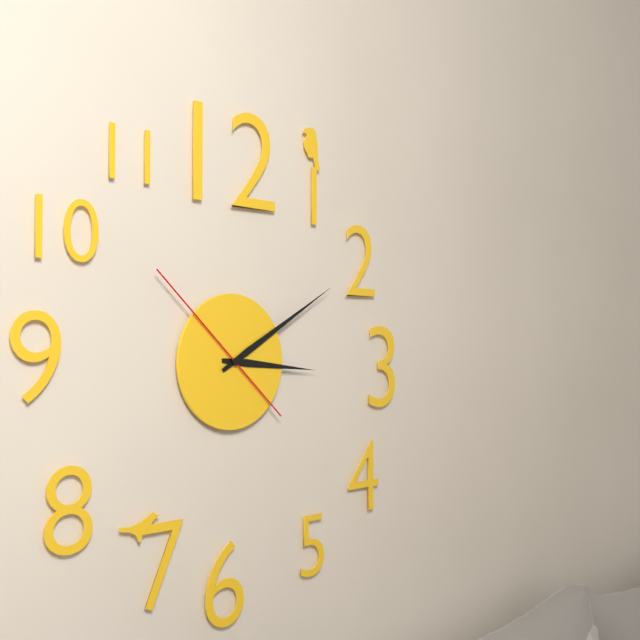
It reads 3:10:52
